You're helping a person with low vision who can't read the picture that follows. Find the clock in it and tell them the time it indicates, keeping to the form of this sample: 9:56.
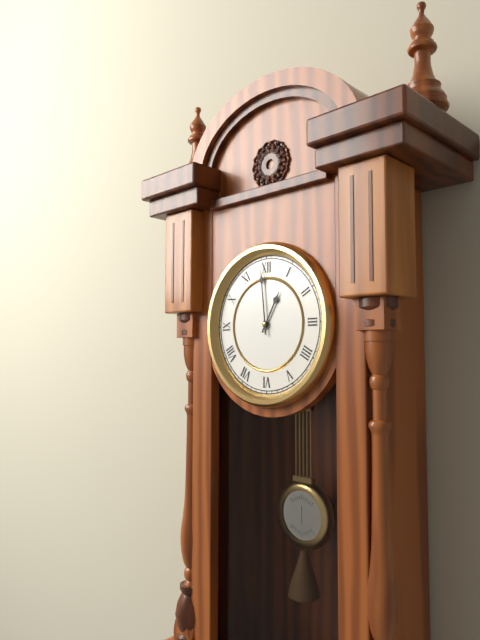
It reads 12:59
